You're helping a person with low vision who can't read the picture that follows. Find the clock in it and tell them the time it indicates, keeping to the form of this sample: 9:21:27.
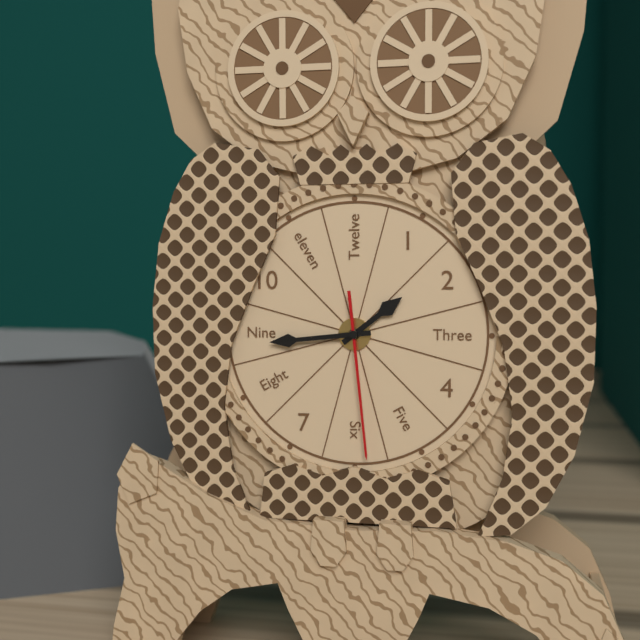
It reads 1:44:29
